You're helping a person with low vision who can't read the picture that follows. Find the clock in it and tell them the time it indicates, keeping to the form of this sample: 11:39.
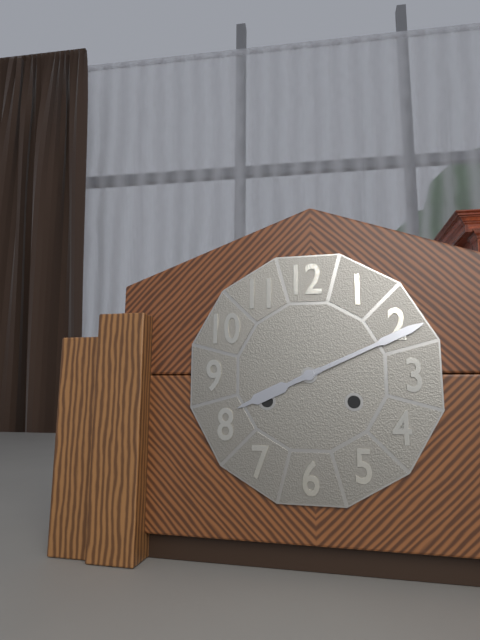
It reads 8:11
